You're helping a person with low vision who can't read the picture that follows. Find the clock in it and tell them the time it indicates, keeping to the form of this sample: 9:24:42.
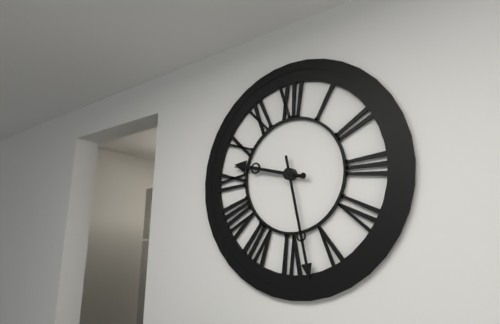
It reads 9:28:47
